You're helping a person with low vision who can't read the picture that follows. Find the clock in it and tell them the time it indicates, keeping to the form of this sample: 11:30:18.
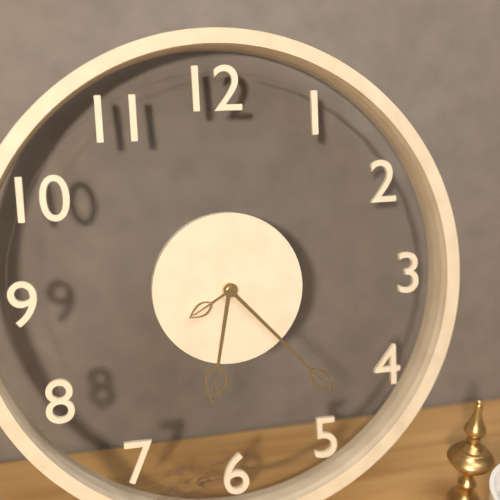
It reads 6:23:40
